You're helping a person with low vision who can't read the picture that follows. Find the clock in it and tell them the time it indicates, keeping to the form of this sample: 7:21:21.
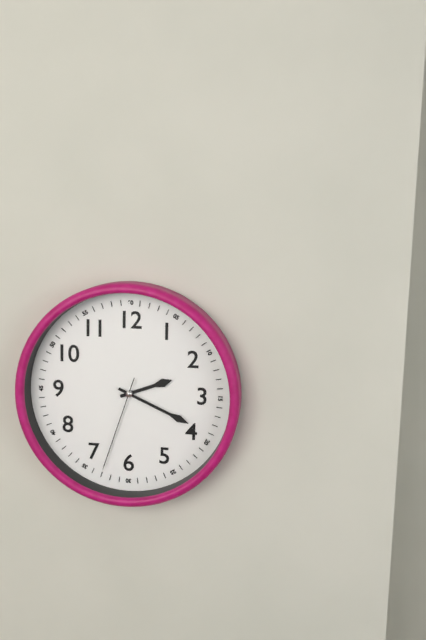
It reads 2:19:33
